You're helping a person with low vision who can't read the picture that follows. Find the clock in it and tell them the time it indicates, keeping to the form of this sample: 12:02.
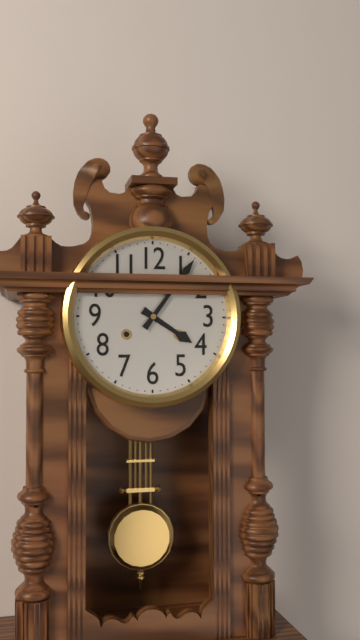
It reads 4:06
